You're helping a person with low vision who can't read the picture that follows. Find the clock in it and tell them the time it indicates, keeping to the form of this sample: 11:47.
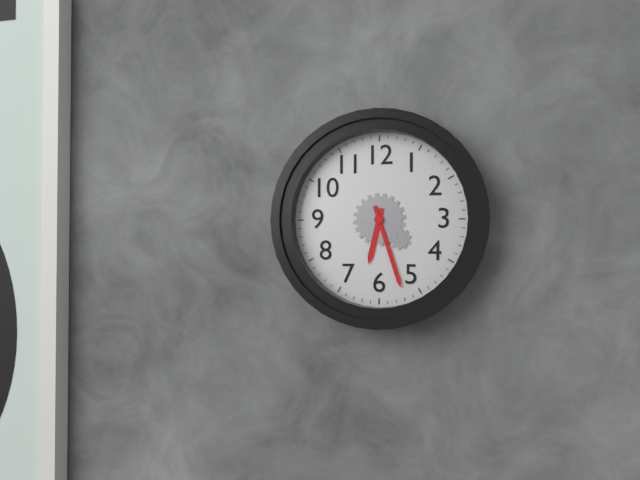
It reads 6:27
